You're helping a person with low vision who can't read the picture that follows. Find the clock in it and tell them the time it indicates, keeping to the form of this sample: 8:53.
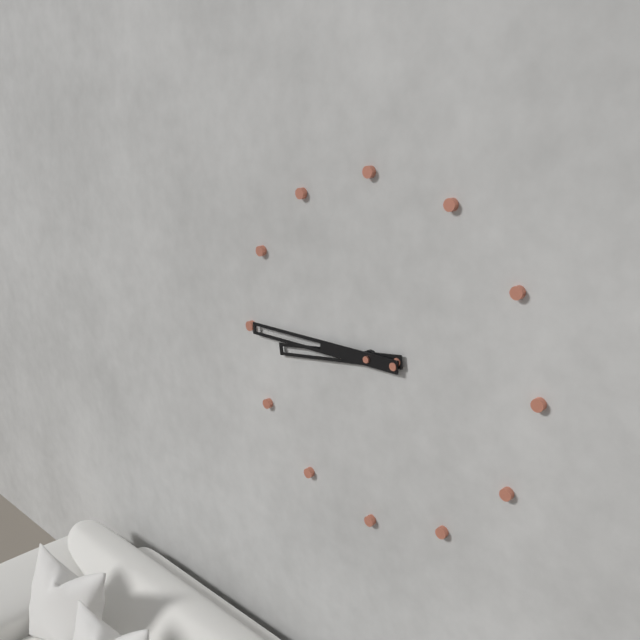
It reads 8:45
